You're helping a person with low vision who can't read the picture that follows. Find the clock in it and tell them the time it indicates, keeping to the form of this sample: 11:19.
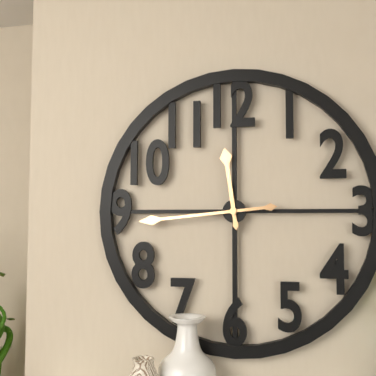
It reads 11:44
